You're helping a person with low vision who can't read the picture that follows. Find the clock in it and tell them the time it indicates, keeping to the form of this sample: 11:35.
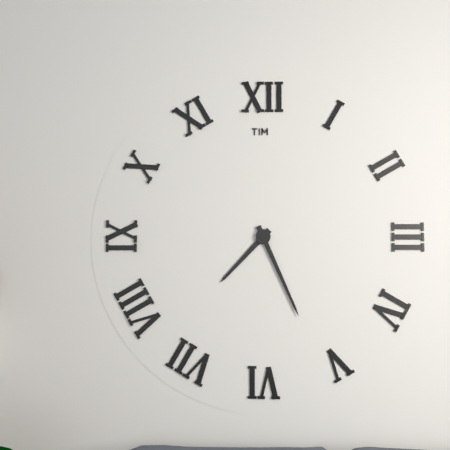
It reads 7:26
